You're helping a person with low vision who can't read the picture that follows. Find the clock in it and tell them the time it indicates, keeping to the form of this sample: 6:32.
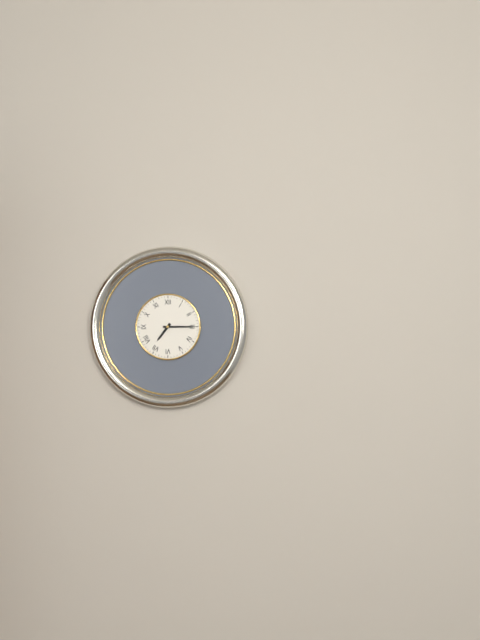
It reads 7:15
